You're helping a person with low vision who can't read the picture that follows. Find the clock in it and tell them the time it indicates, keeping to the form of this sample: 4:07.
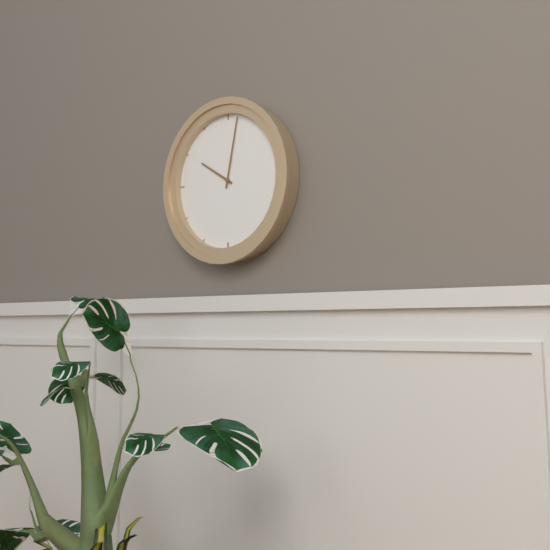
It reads 10:02
